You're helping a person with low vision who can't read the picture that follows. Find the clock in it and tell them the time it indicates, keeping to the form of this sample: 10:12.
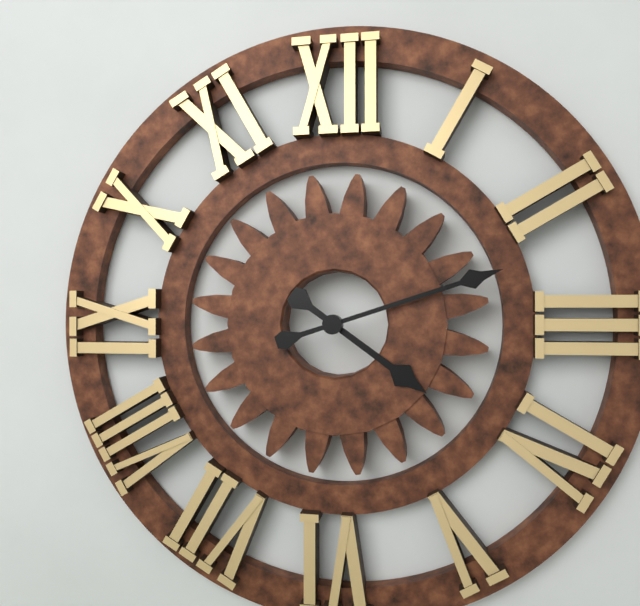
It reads 4:12
